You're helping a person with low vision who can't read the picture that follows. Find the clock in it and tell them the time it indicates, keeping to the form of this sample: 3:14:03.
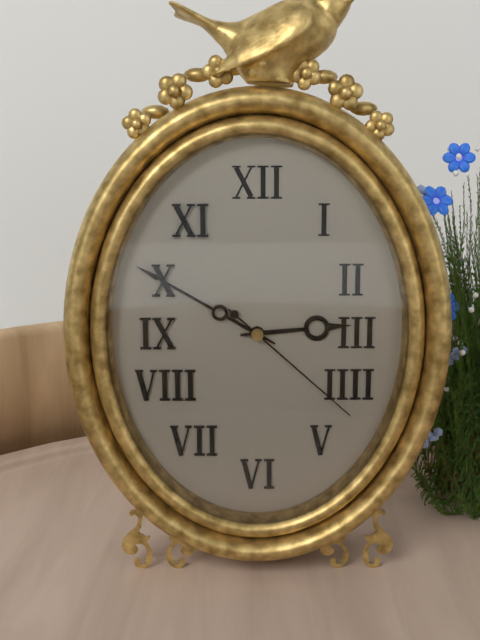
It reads 2:50:22
